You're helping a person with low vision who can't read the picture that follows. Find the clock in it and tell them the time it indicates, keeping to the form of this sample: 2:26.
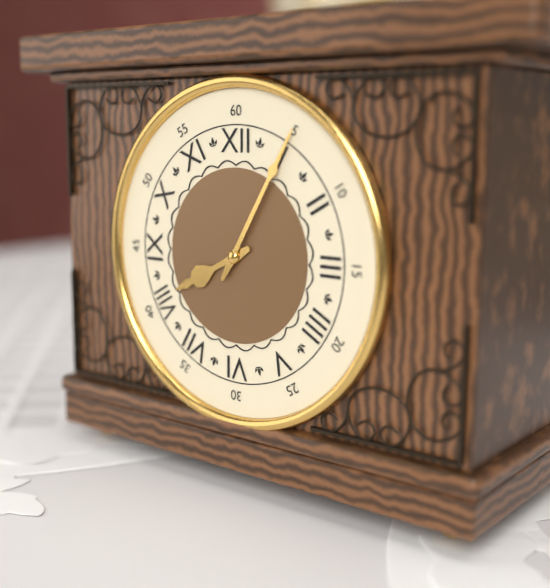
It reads 8:05
